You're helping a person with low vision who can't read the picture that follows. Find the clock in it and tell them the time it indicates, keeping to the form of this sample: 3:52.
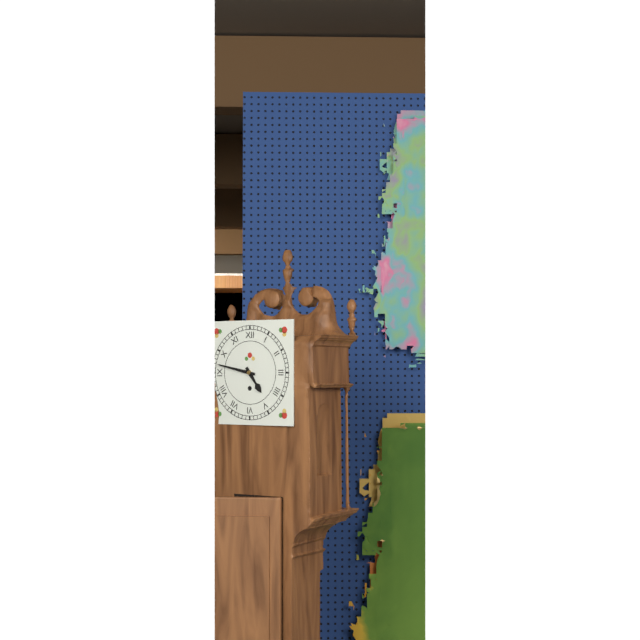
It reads 4:47
